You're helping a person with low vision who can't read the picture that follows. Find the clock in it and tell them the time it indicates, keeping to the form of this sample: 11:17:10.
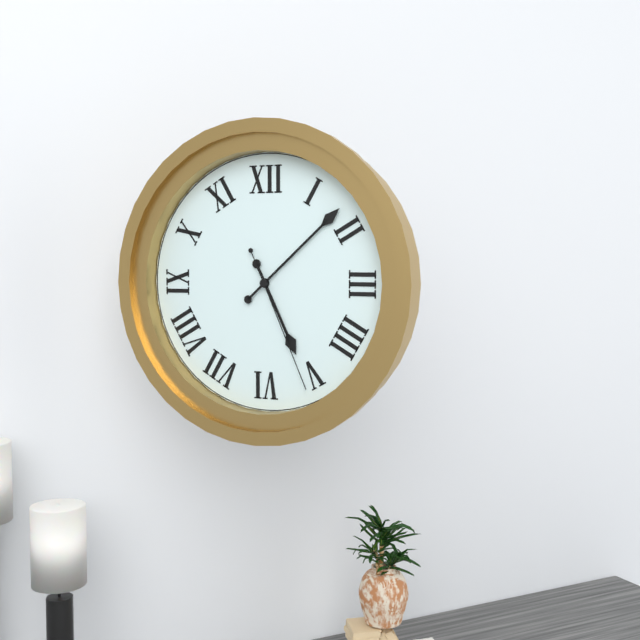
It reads 5:08:26
